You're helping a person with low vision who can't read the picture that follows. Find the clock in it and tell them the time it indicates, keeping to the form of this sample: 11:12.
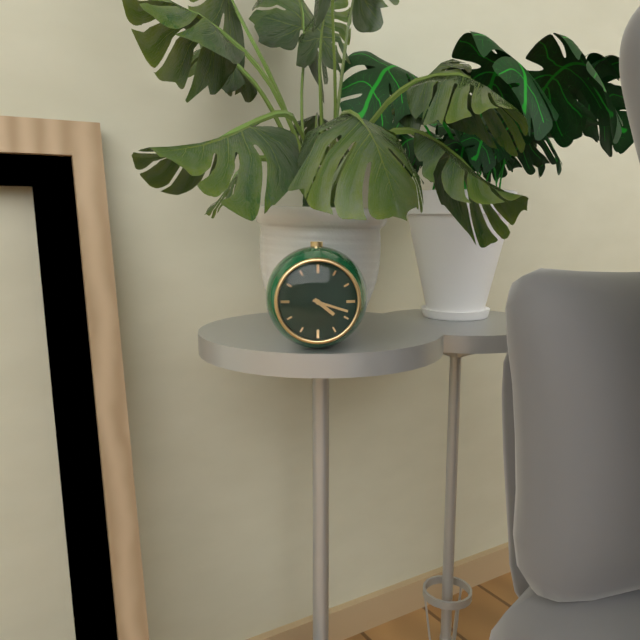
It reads 4:18
